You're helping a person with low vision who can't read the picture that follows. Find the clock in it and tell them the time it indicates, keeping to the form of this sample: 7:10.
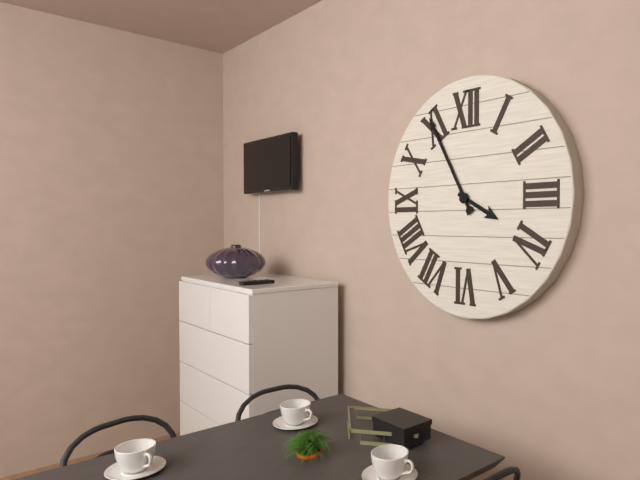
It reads 3:55
